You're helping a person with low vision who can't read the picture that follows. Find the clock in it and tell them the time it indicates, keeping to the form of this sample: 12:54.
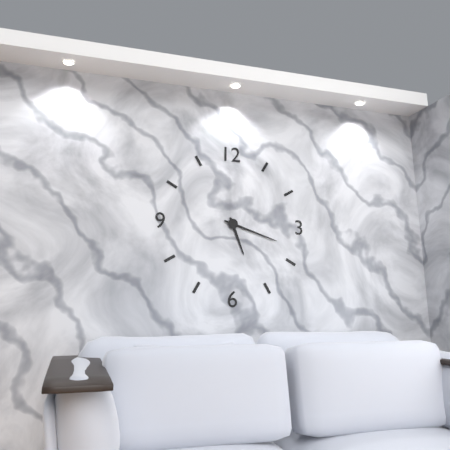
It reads 5:18
